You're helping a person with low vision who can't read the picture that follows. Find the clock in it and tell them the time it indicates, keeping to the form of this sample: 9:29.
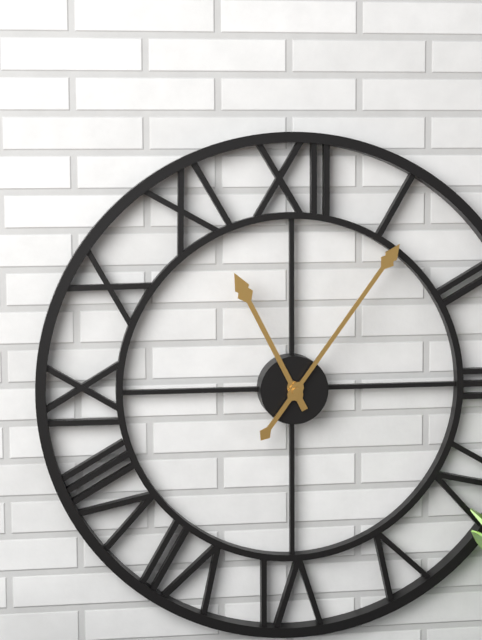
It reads 11:06
